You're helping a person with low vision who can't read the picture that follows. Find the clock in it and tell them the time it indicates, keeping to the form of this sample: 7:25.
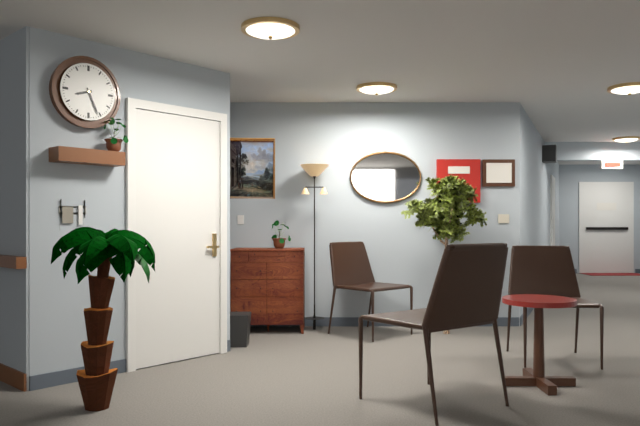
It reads 8:26
